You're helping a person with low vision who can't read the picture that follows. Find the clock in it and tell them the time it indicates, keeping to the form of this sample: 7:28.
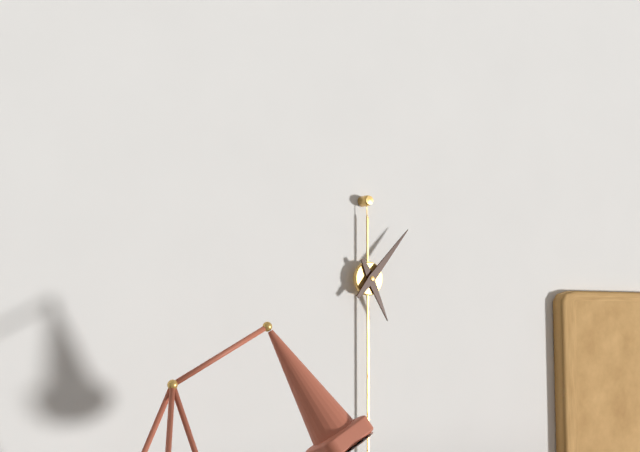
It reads 5:07
